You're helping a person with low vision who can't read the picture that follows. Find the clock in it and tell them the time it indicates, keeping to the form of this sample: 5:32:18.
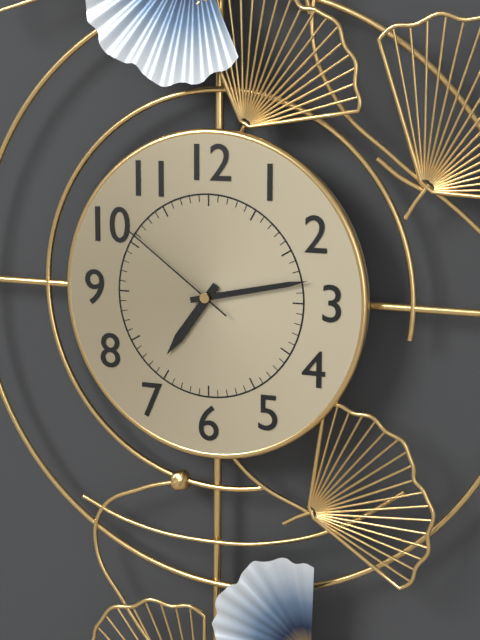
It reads 7:13:51
